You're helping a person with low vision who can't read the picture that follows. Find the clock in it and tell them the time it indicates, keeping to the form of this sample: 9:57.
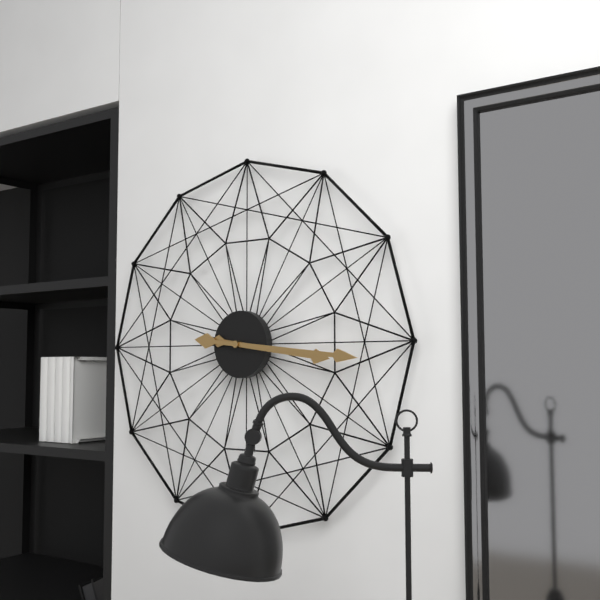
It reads 3:16
